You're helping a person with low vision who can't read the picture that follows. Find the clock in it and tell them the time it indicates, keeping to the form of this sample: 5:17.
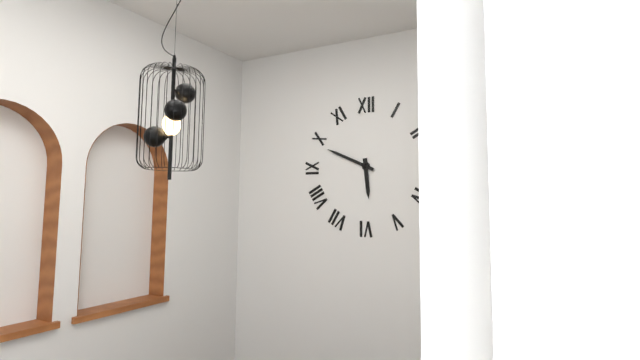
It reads 5:49
